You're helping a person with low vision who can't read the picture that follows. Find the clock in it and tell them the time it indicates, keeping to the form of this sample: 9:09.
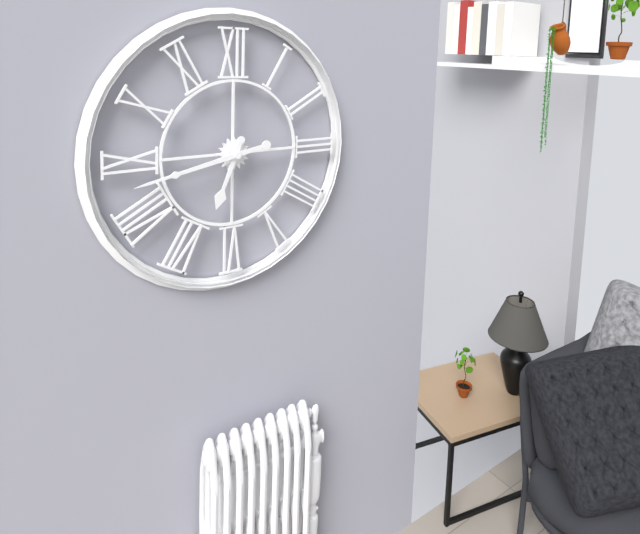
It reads 6:43
